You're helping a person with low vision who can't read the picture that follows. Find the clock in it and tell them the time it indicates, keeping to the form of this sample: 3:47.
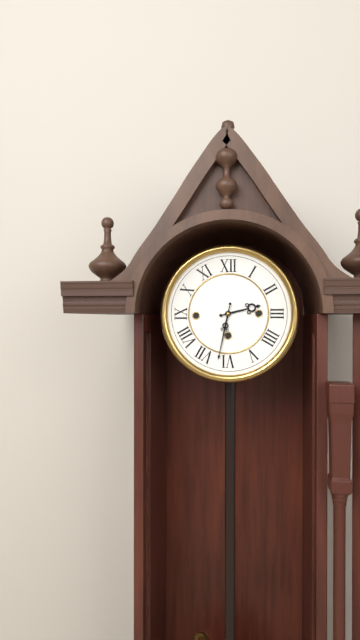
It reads 2:32
